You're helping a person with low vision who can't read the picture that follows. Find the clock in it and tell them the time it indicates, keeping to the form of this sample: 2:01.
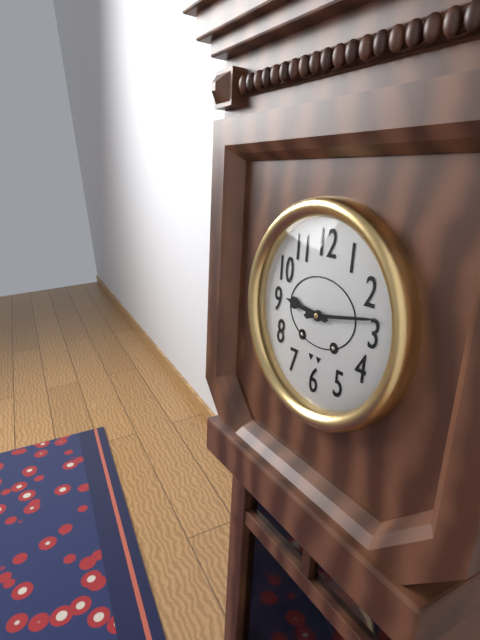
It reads 9:13
